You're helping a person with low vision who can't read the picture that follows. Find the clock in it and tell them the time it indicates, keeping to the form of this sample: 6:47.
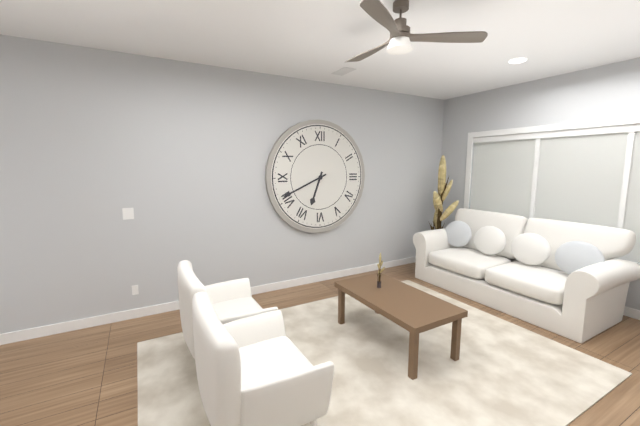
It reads 6:41
